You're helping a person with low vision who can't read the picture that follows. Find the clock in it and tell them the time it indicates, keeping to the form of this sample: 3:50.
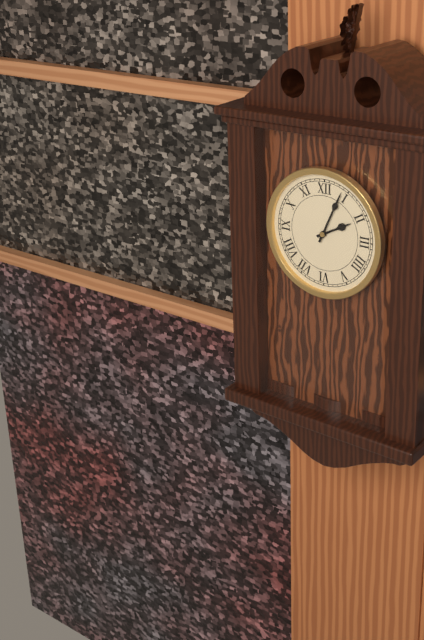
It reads 2:04
